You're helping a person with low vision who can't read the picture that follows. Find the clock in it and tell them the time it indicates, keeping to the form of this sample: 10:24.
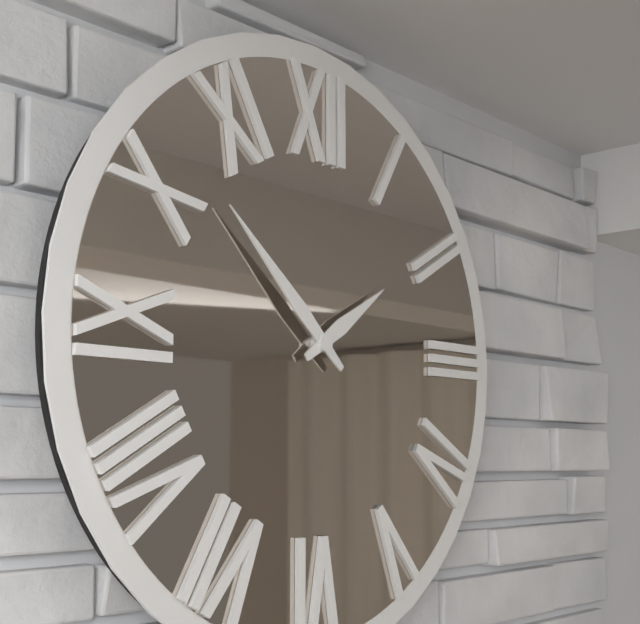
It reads 1:52
